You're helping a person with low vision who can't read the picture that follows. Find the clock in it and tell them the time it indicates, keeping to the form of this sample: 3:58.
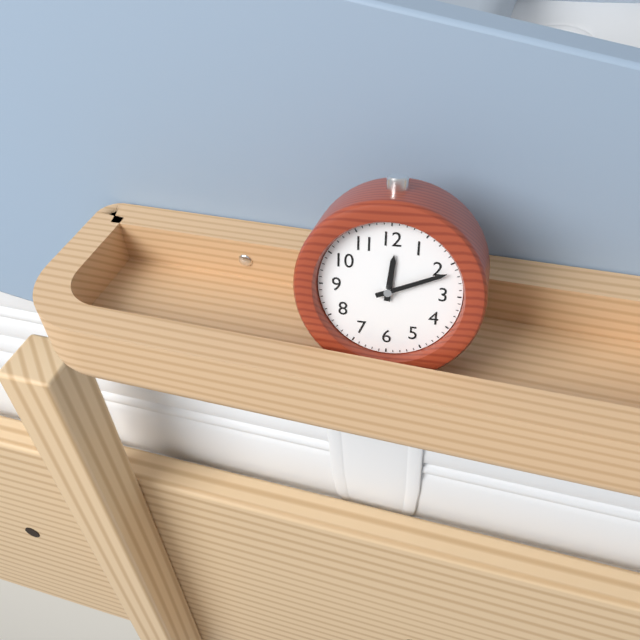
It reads 12:11
